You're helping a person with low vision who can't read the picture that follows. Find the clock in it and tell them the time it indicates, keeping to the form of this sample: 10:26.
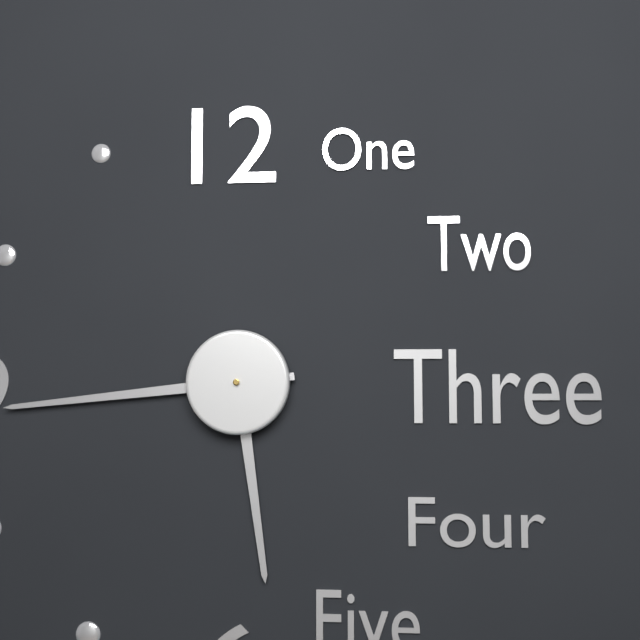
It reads 5:44
